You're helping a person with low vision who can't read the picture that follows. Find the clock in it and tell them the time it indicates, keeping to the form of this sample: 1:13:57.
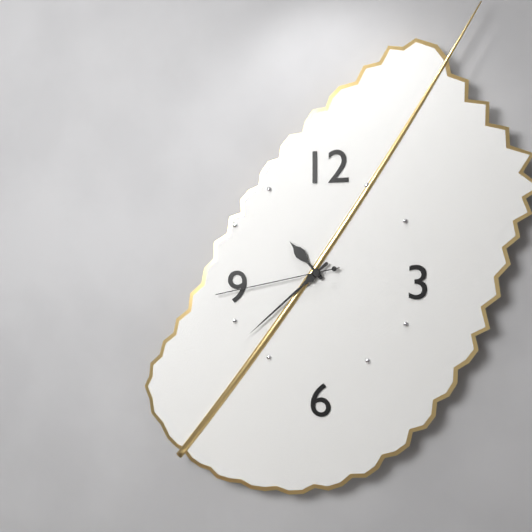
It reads 10:38:43
